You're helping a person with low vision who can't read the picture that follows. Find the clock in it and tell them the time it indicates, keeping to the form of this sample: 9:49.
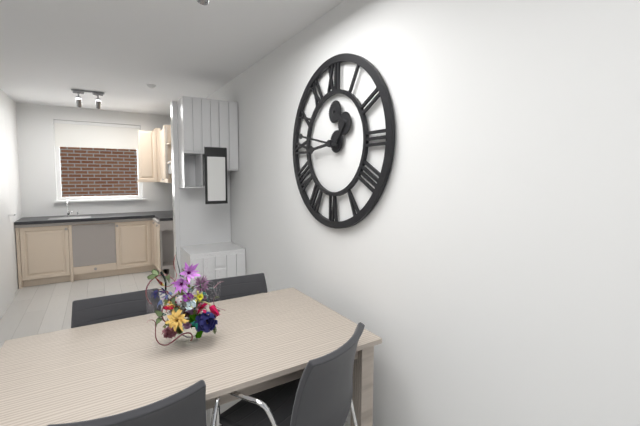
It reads 8:47
